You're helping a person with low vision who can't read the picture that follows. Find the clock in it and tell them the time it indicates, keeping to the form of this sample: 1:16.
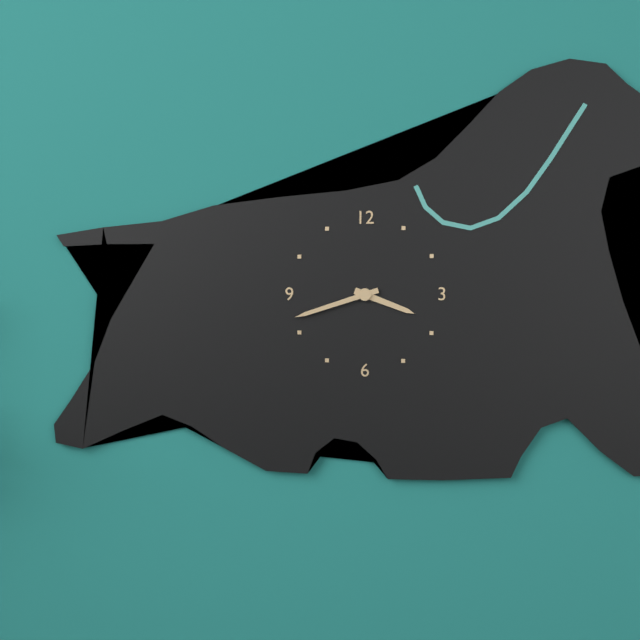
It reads 3:42
